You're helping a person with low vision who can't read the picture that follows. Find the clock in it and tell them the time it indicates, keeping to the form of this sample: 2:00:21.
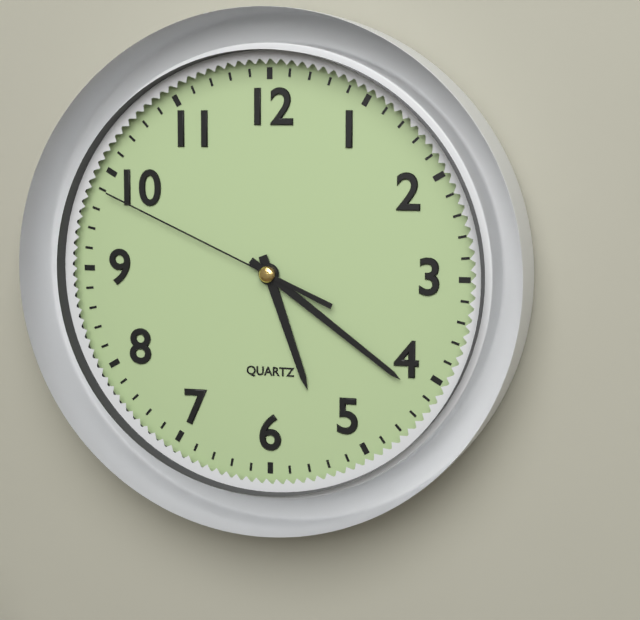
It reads 5:21:49
